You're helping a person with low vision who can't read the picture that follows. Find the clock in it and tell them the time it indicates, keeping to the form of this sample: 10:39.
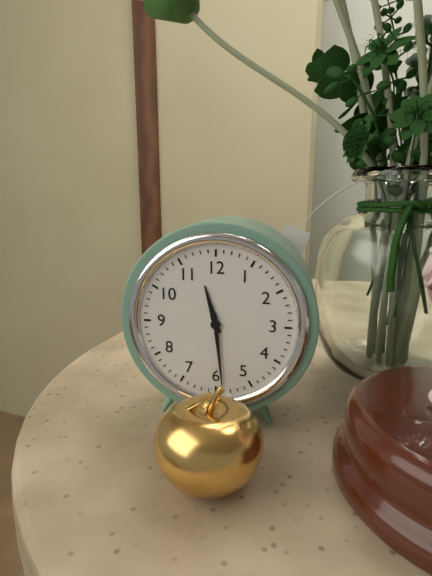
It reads 11:29
